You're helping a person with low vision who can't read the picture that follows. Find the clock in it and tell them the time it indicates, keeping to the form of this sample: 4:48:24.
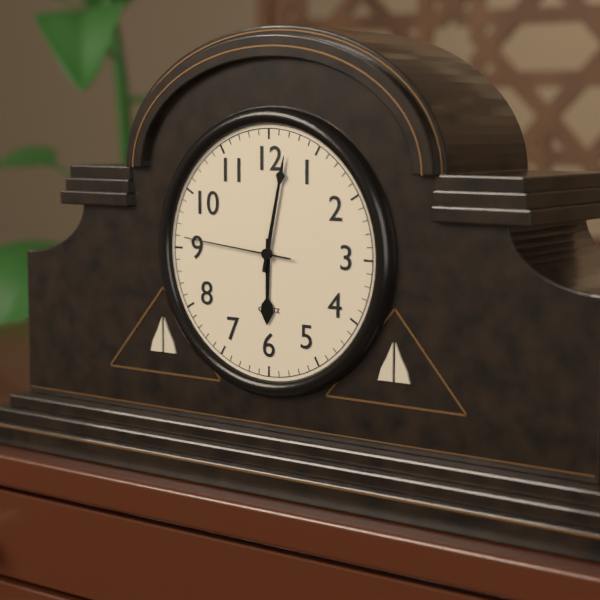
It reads 6:02:46
